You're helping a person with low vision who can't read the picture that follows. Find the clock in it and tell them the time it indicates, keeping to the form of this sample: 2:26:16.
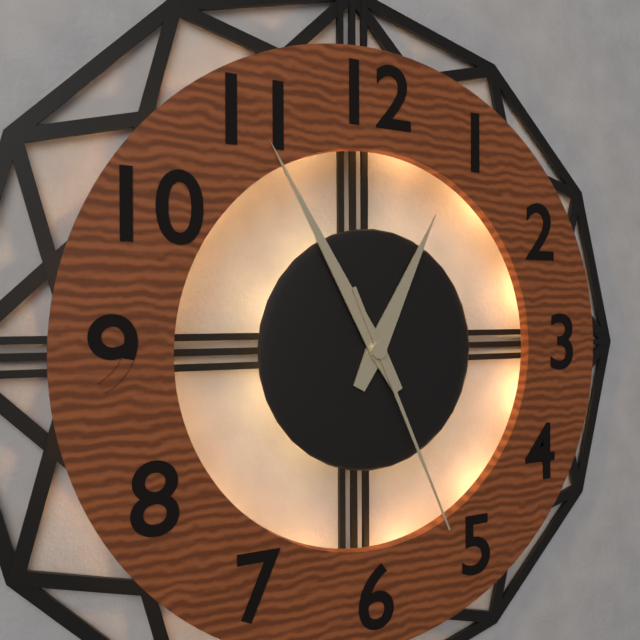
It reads 12:55:26
